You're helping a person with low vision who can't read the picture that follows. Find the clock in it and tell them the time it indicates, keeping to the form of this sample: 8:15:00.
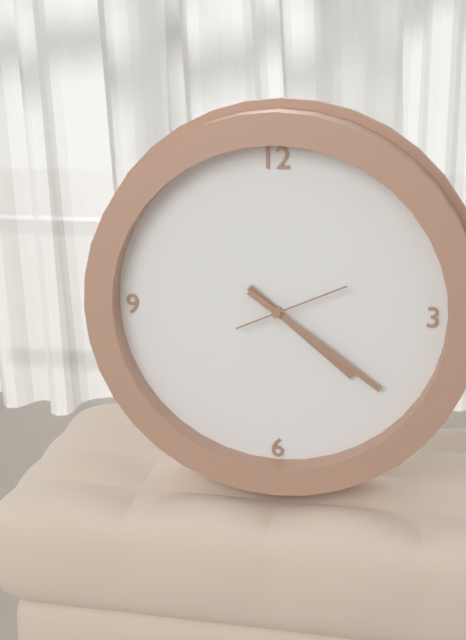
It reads 4:21:11
